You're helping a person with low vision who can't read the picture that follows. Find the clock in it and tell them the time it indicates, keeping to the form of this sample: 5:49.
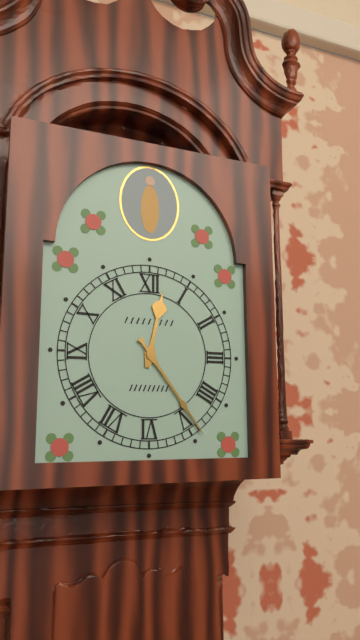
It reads 12:24
